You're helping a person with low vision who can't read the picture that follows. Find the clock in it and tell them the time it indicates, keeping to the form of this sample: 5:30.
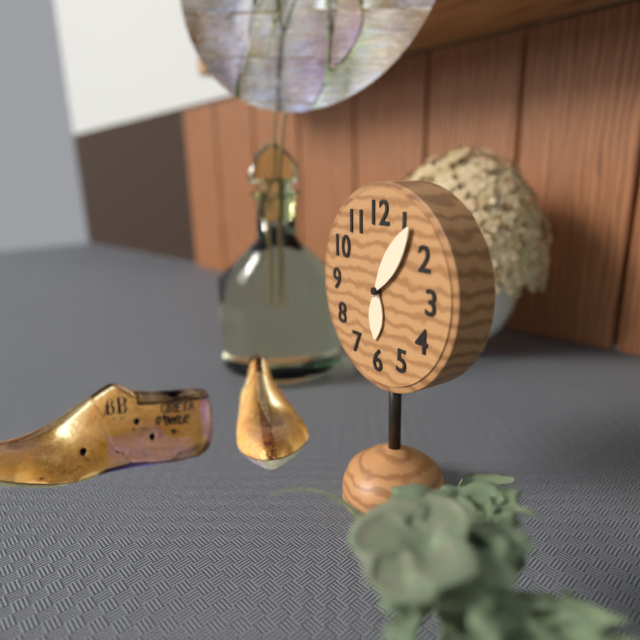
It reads 6:06
